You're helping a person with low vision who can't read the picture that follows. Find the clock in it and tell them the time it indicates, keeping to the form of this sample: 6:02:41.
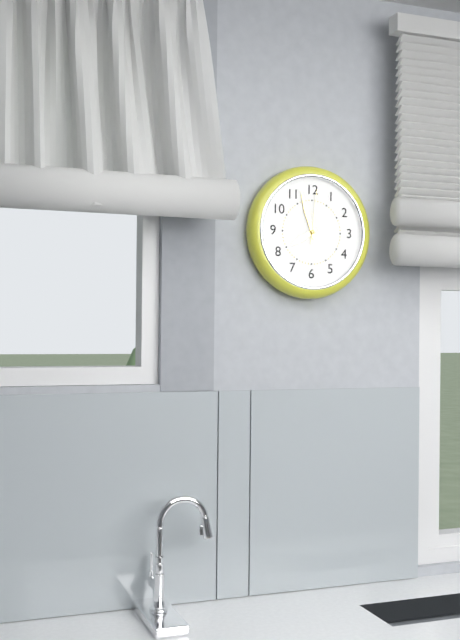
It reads 7:57:01
